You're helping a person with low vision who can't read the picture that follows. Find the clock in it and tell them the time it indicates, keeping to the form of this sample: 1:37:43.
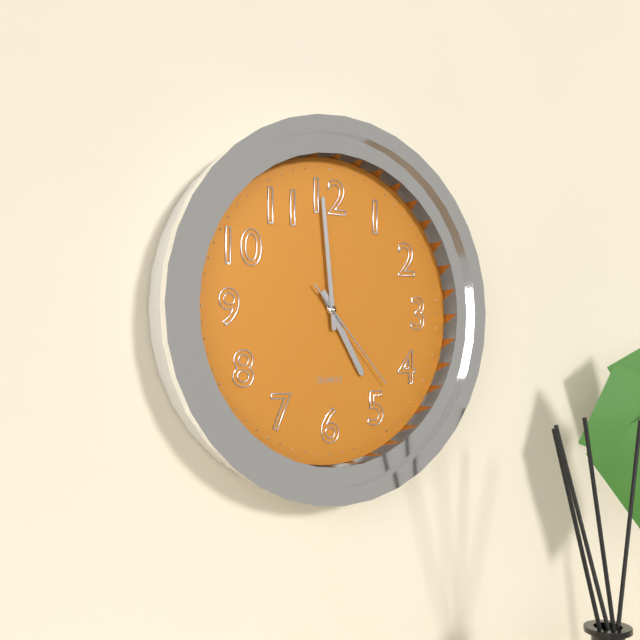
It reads 4:59:23
